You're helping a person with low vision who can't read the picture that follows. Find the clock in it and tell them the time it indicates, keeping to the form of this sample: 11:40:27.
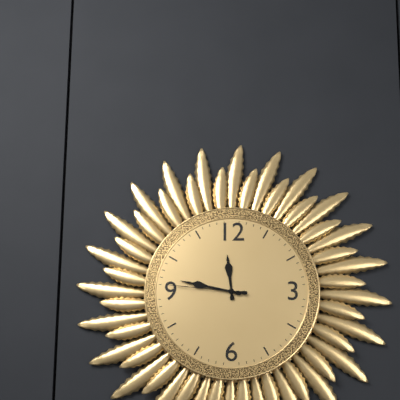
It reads 11:47:46
